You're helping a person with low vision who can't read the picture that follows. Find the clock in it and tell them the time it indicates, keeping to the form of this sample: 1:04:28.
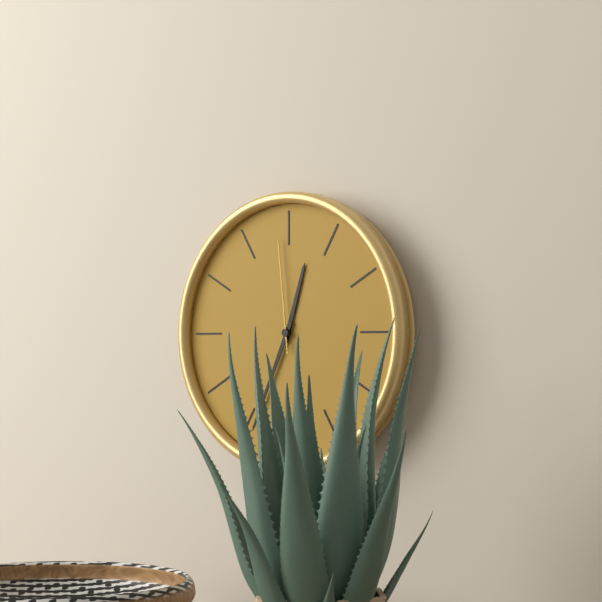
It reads 12:34:59
